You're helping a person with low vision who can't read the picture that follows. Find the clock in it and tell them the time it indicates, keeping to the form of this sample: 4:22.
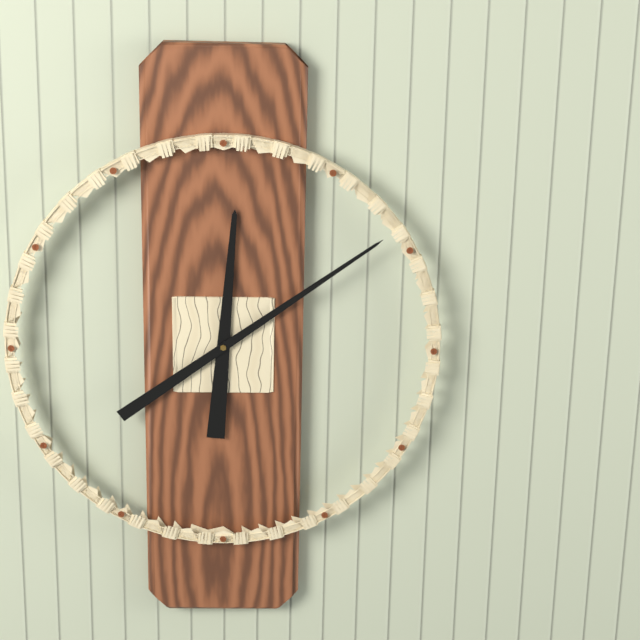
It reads 12:09
